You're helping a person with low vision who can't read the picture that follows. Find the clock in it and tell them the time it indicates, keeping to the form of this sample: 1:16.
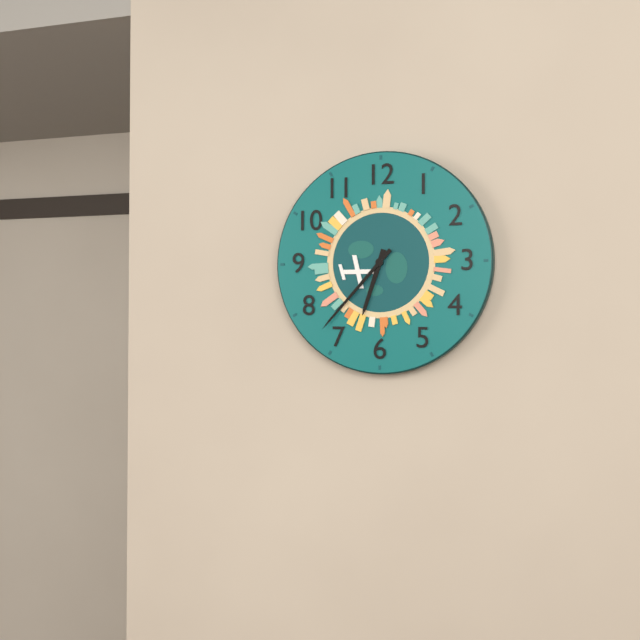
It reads 6:37
